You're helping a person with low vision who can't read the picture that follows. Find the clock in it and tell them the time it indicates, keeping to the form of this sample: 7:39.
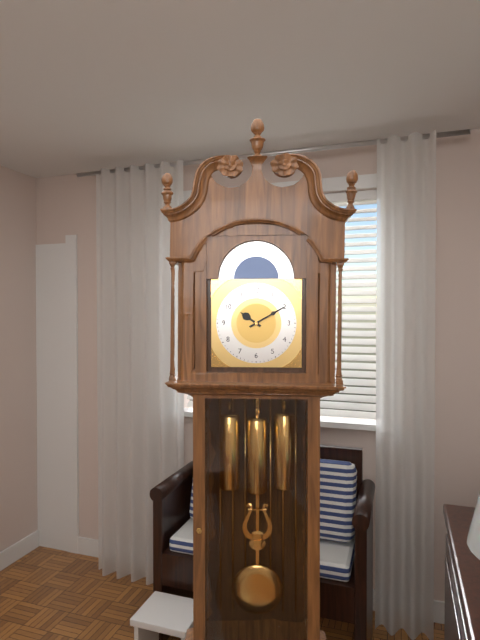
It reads 10:10
